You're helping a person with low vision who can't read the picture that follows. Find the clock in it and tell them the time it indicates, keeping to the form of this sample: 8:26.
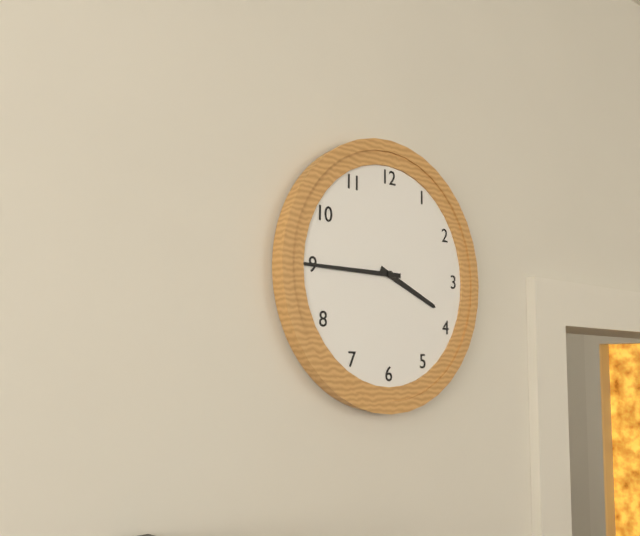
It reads 3:45
